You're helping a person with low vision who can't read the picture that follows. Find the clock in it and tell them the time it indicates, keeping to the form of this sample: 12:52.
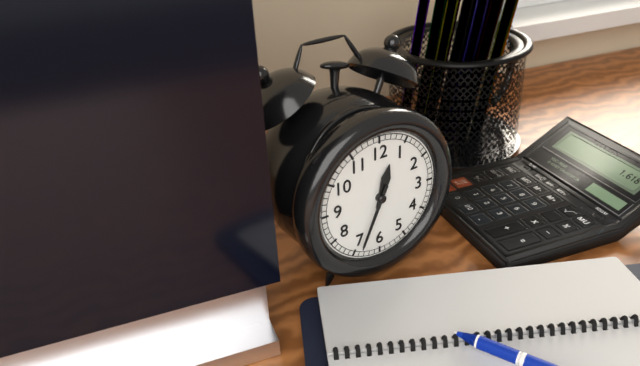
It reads 12:34
